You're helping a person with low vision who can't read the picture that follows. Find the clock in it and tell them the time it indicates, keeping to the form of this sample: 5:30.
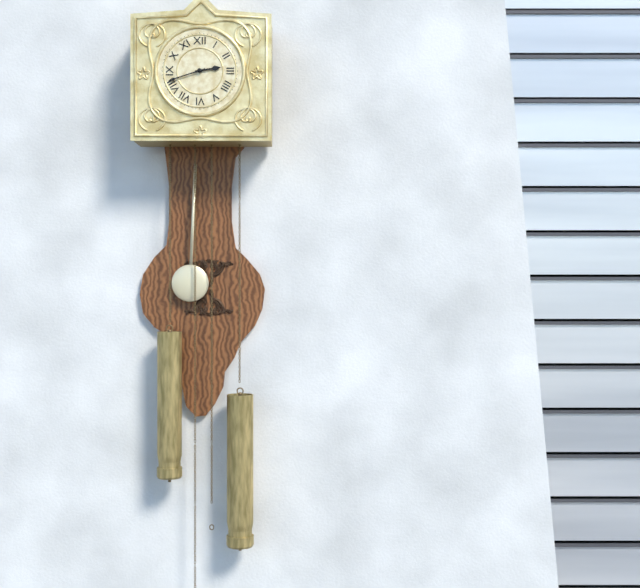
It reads 2:42
